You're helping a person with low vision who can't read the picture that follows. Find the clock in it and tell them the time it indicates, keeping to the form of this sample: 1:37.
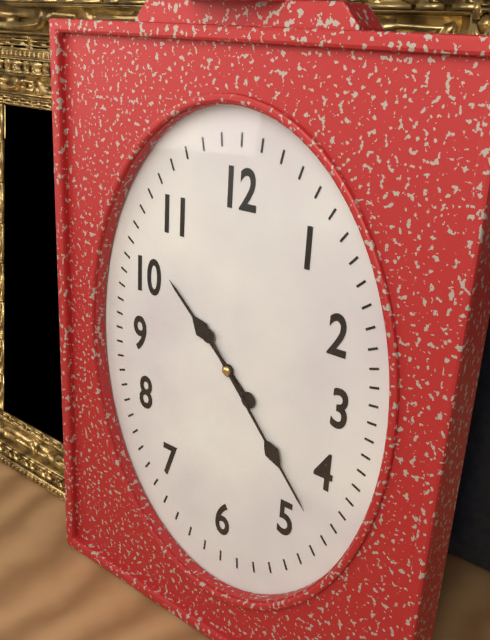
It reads 10:23
